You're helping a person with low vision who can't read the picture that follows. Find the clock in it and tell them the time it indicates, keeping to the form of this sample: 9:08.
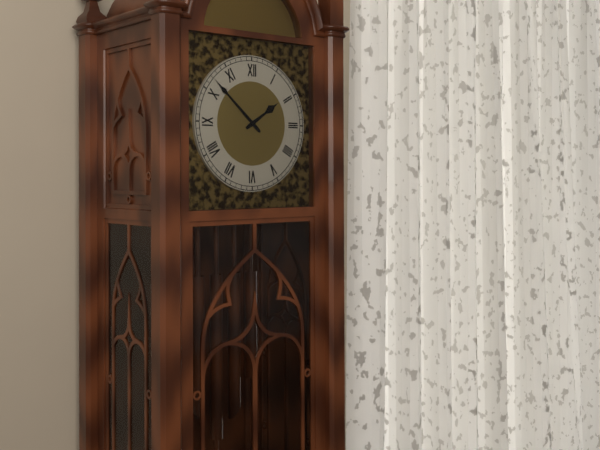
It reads 1:52
